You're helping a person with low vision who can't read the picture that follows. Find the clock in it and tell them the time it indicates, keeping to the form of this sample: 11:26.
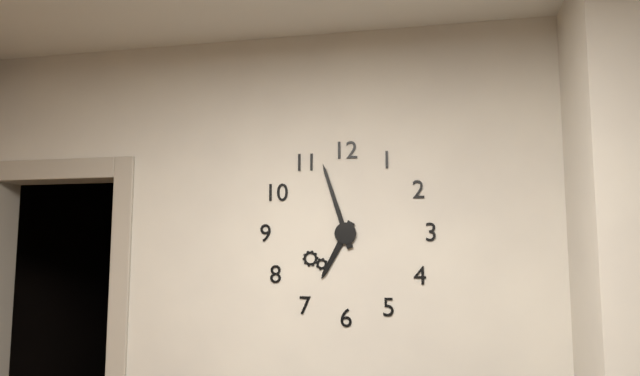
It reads 6:57
